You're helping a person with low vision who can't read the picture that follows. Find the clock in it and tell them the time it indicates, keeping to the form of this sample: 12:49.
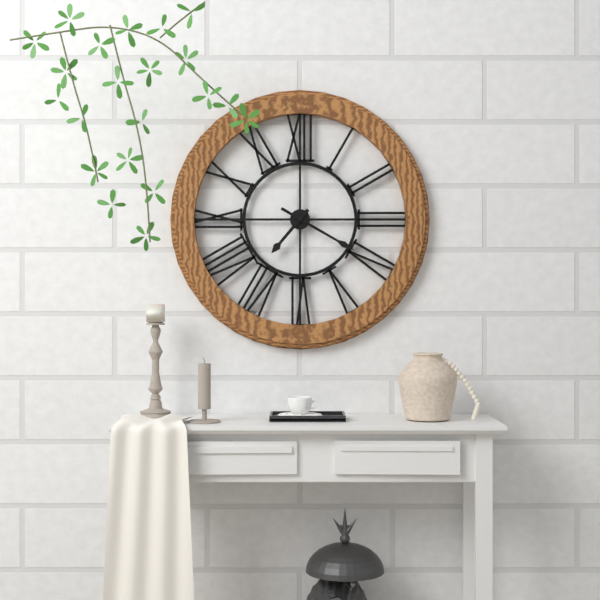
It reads 7:20
